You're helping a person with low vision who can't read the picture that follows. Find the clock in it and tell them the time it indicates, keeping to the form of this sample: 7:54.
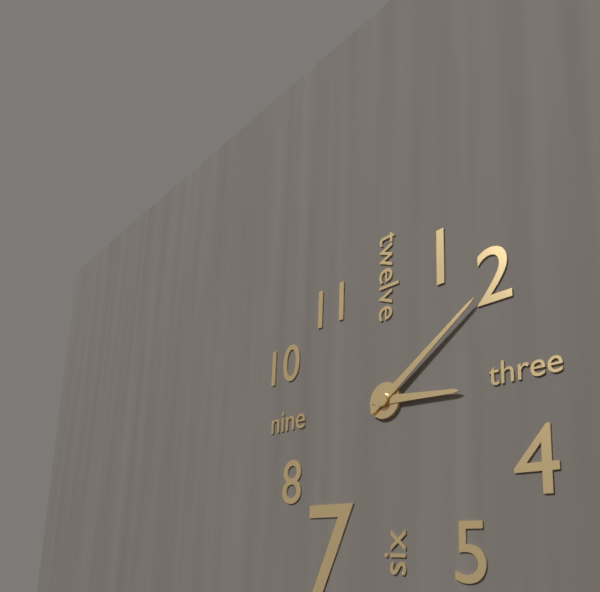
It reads 3:09
